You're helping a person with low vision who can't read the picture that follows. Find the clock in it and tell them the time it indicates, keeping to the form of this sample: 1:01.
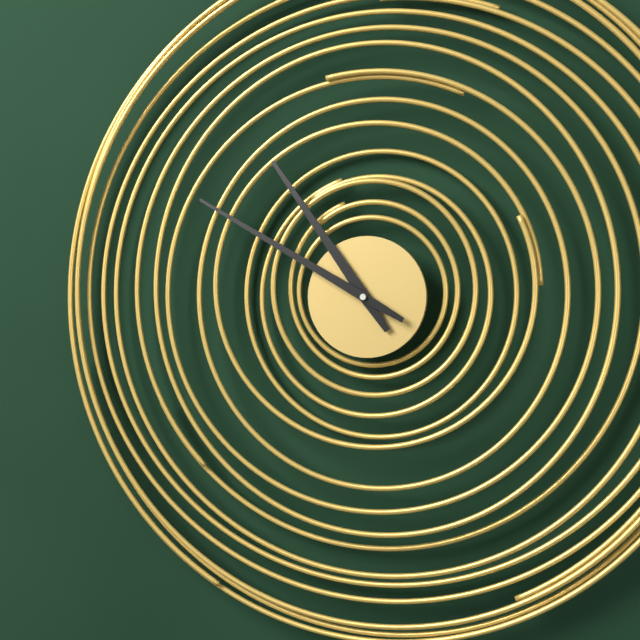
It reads 10:50
